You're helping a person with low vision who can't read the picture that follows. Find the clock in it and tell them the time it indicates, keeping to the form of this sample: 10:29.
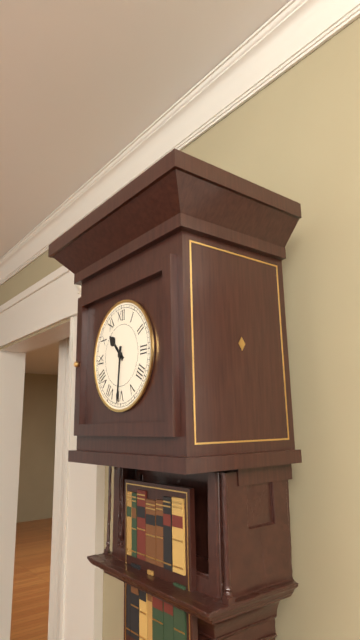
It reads 10:31
